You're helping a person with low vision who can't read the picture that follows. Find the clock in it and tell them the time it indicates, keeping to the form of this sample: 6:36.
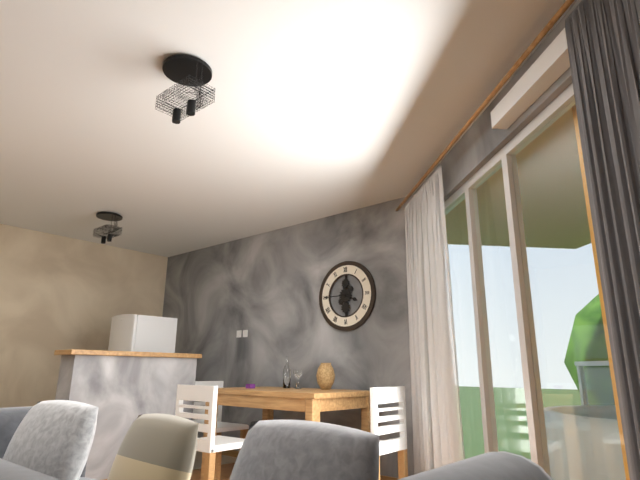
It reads 3:45
